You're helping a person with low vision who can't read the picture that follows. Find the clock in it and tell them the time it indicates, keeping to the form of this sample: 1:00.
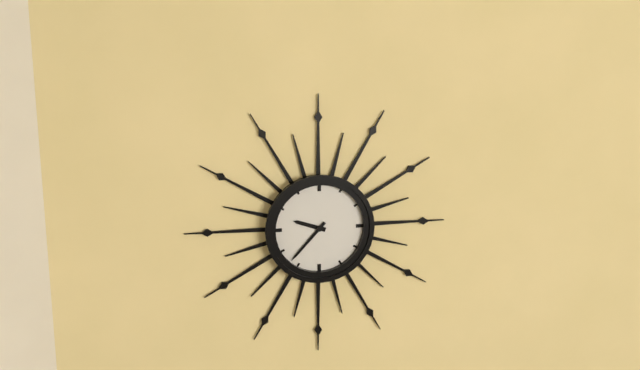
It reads 9:37
